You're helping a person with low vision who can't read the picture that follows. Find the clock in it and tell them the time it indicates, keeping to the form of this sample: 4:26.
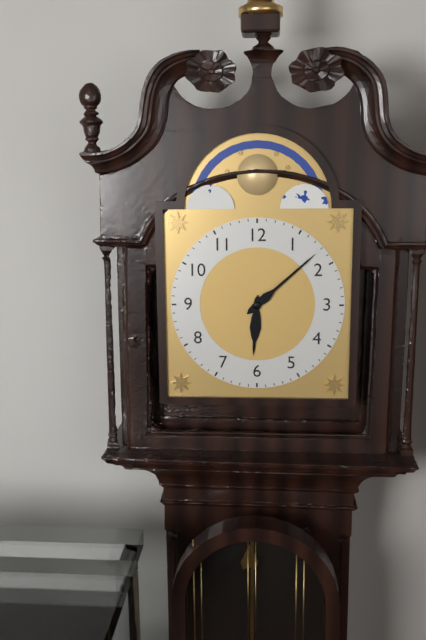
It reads 6:08
